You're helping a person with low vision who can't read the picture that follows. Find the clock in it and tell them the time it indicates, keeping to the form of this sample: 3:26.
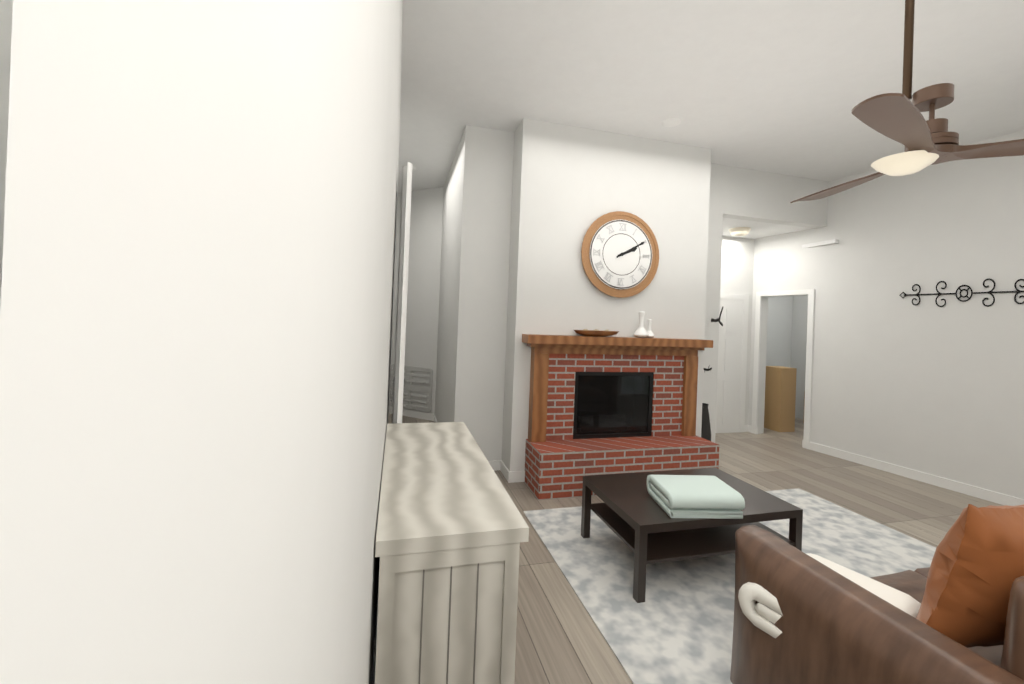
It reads 2:10
